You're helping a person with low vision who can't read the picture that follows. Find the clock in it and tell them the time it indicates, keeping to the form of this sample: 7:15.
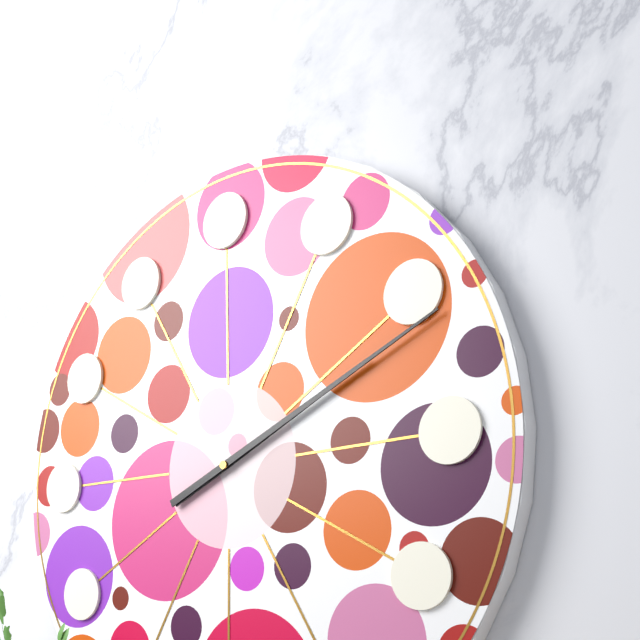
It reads 2:11
